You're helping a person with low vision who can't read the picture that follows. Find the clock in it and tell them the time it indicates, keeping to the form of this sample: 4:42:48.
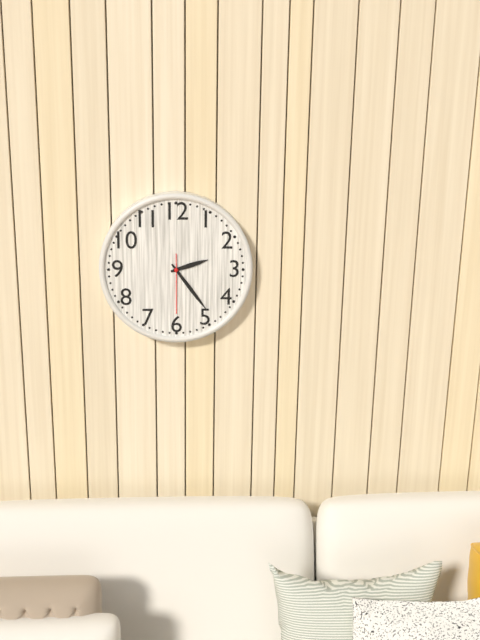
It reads 2:24:30
